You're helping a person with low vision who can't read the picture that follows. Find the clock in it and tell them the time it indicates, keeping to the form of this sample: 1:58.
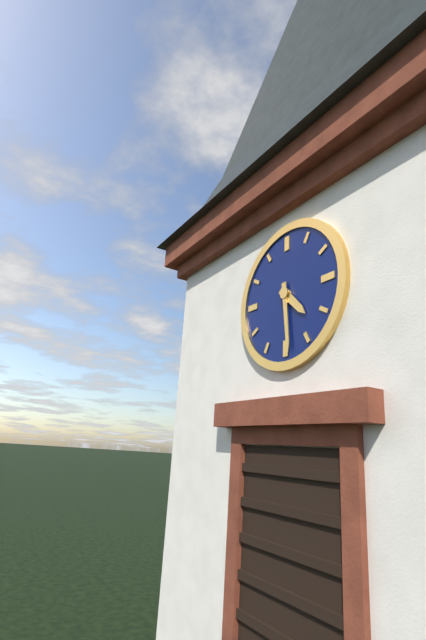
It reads 4:29
